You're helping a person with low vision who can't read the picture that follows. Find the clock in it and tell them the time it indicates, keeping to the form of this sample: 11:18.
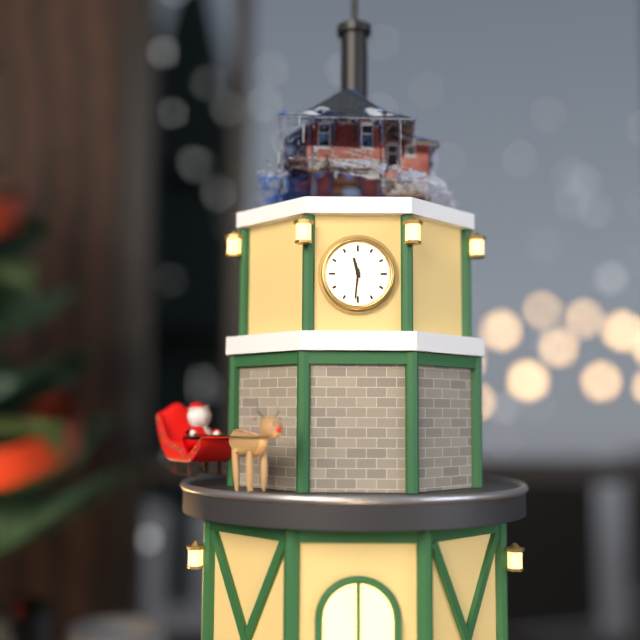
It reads 11:31
